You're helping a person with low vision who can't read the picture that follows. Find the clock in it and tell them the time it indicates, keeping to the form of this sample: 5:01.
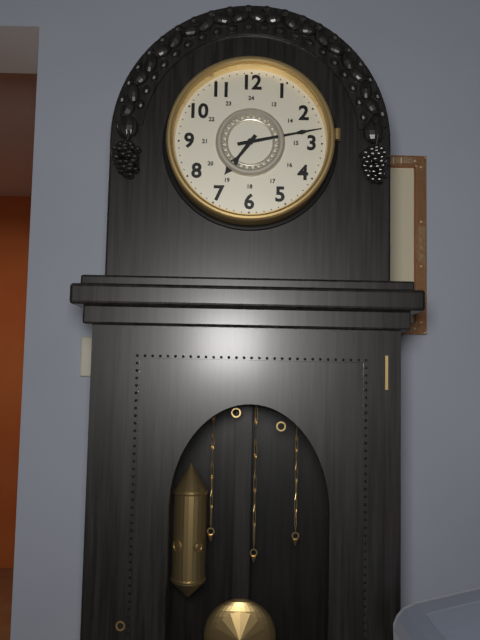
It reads 7:13
